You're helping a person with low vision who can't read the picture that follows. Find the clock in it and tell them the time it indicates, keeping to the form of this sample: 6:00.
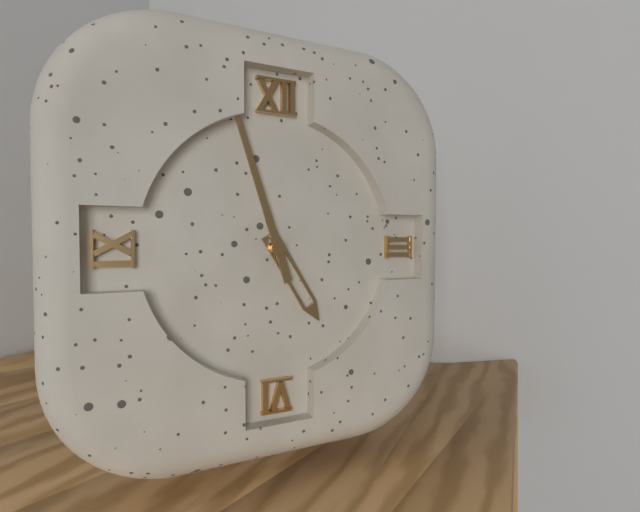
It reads 4:57
